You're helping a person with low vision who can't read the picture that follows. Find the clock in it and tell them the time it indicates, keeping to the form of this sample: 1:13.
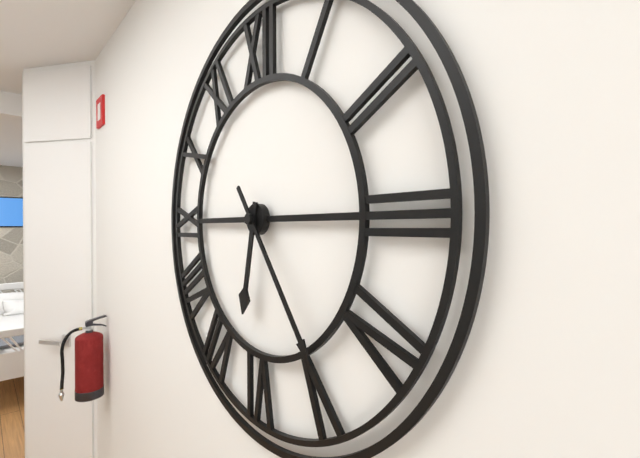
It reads 6:24
